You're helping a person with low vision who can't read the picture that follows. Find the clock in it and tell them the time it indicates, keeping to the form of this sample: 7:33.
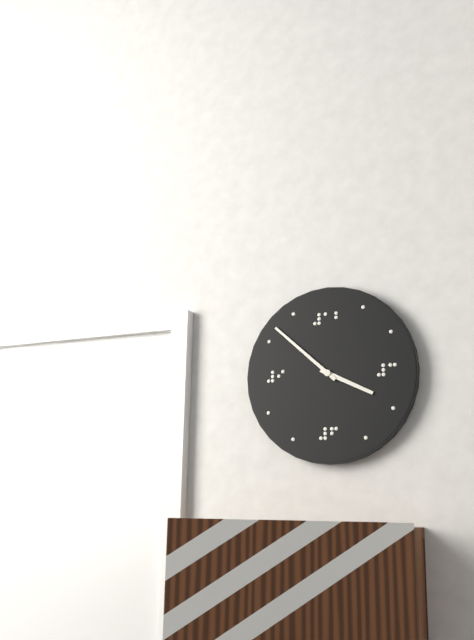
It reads 3:52
